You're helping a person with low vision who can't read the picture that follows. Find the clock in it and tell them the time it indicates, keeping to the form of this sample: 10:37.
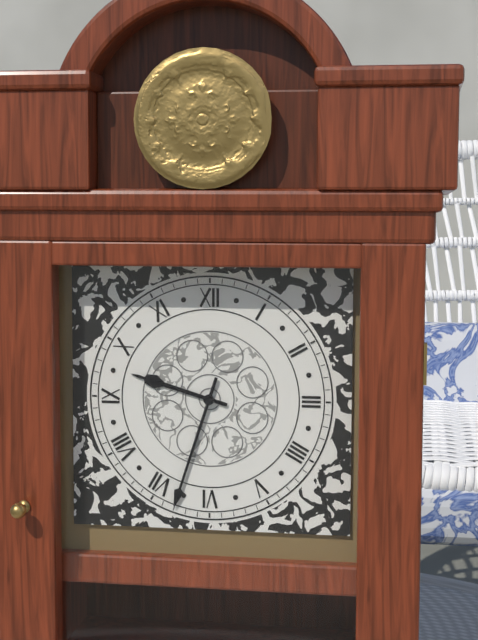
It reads 9:33
